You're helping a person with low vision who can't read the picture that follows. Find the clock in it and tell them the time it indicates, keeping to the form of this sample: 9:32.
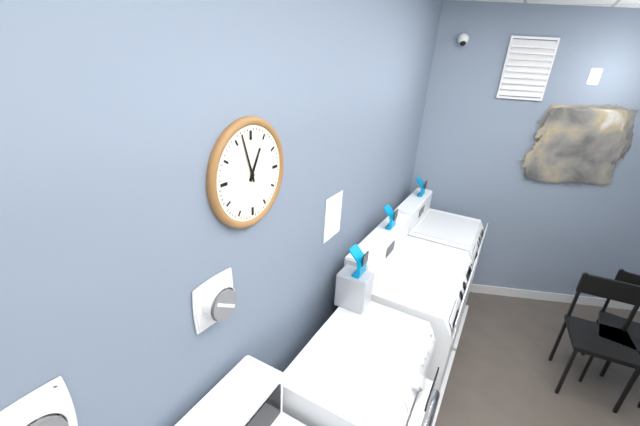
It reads 12:57
